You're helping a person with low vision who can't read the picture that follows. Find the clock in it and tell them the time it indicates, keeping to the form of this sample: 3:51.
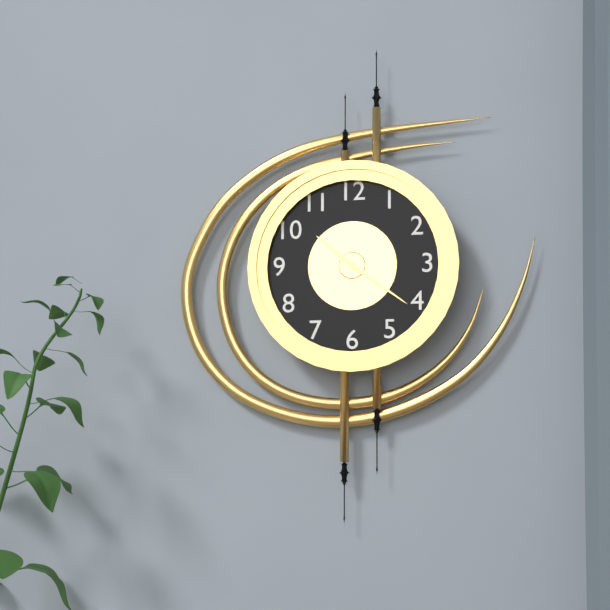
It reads 10:21
